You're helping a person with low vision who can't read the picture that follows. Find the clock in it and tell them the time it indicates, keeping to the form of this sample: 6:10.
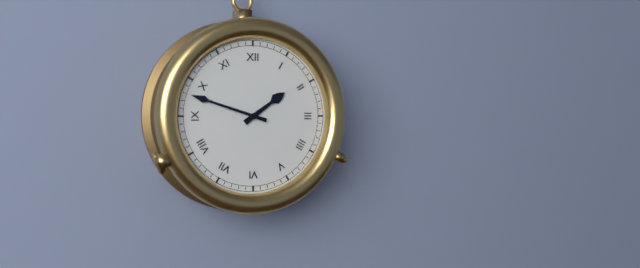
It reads 1:48
